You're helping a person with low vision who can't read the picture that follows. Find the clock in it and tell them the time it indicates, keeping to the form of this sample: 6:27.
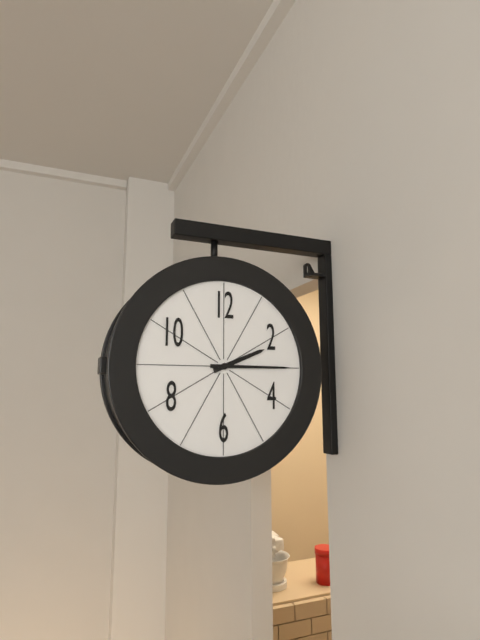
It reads 2:15
